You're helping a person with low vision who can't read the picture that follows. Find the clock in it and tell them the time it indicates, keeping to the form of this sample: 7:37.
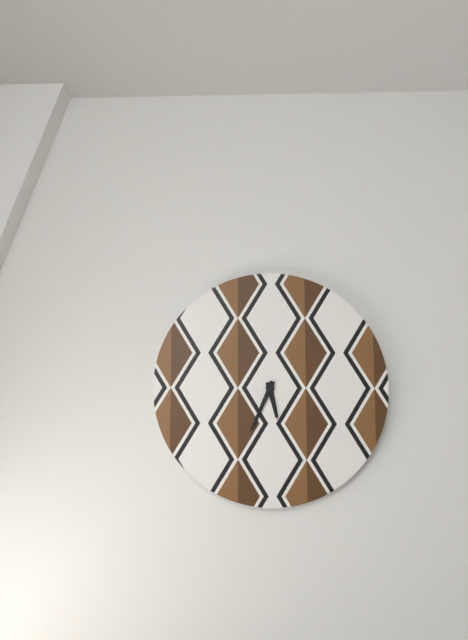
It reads 5:34
